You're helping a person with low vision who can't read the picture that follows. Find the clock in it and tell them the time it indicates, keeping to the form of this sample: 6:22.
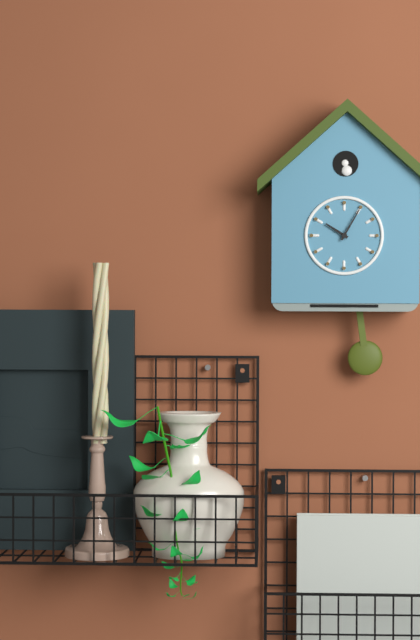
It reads 10:05
